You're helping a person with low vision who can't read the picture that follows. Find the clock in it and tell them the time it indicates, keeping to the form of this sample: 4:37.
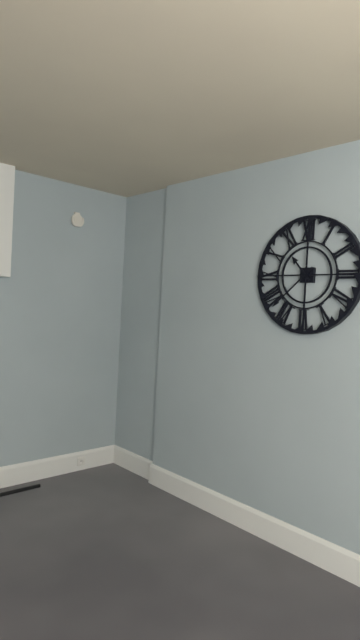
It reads 10:38
